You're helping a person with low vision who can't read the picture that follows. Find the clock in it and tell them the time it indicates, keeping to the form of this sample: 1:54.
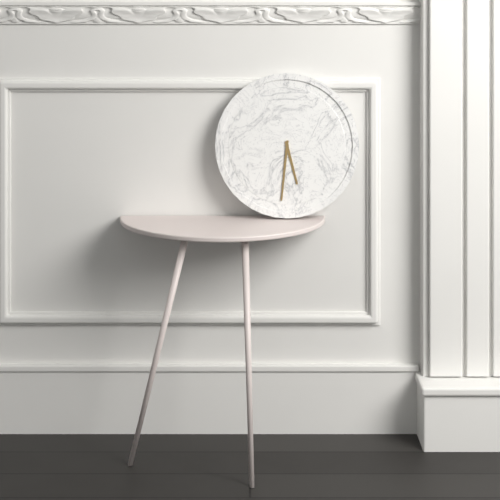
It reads 5:31
